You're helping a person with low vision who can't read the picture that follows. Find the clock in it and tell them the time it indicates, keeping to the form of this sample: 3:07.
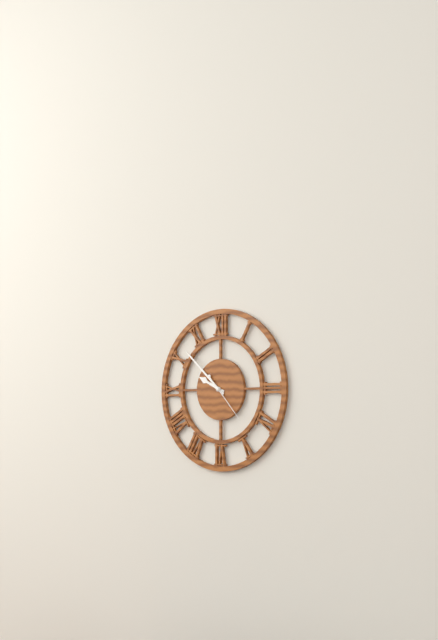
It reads 9:52
